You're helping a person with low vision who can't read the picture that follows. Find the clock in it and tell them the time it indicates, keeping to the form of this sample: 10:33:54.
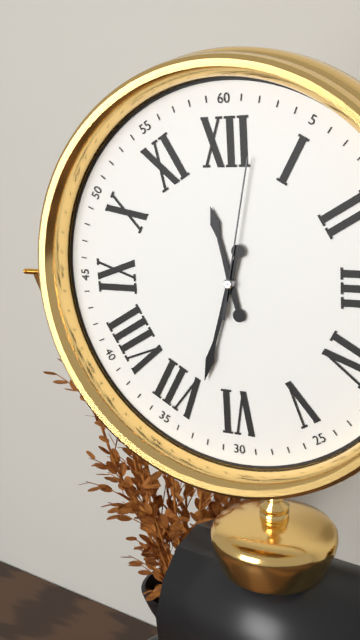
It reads 11:33:02
